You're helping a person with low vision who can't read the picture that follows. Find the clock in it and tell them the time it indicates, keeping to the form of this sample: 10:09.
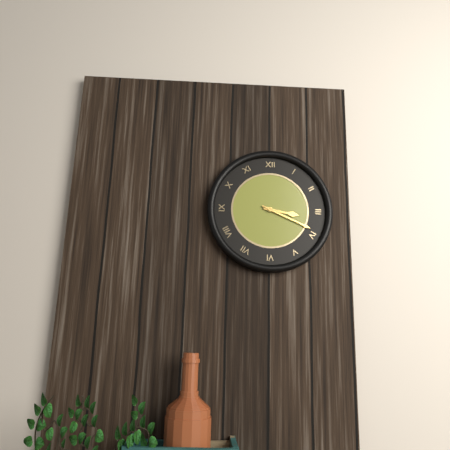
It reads 3:19
